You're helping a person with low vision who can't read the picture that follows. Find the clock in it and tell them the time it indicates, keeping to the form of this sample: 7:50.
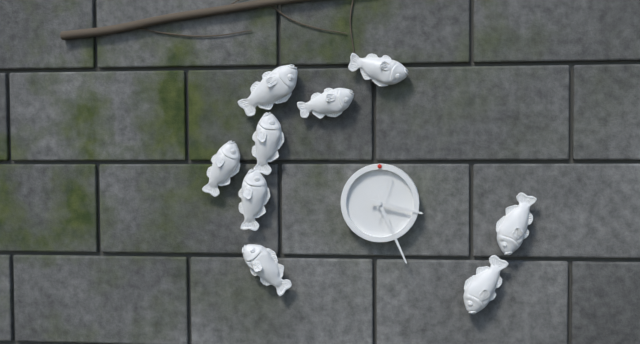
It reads 3:26
